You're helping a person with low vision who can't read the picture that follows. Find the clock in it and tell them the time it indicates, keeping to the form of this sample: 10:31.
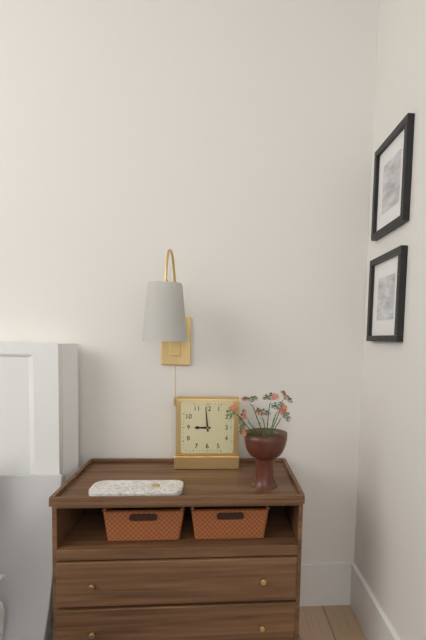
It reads 8:59
